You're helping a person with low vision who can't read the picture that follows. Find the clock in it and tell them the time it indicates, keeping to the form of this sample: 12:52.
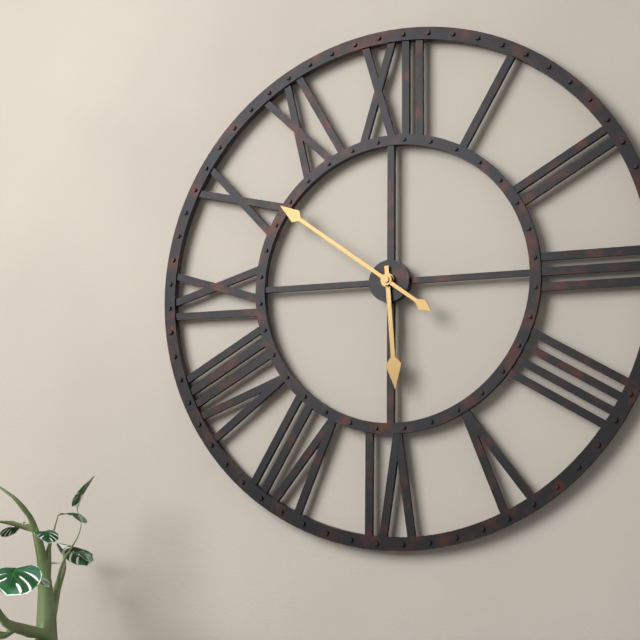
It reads 5:51
